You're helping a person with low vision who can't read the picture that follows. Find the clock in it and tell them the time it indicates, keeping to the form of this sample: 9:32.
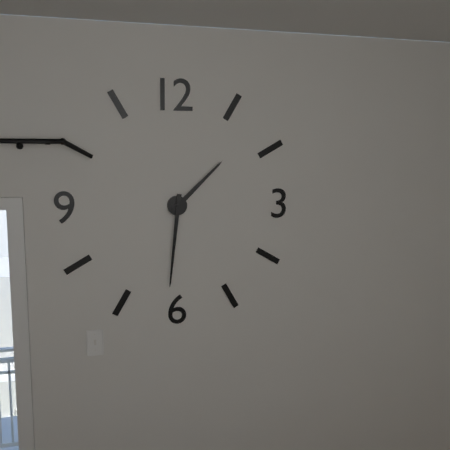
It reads 1:31
